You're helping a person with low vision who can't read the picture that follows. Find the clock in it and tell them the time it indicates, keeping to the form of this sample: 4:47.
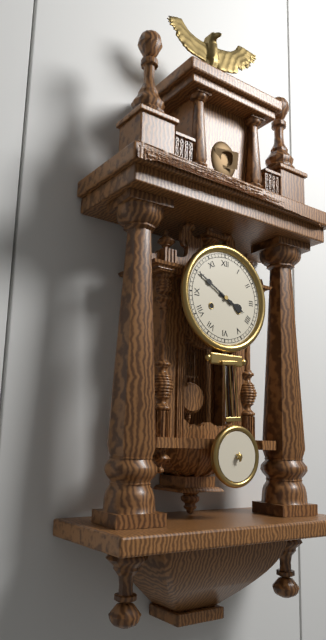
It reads 3:50
